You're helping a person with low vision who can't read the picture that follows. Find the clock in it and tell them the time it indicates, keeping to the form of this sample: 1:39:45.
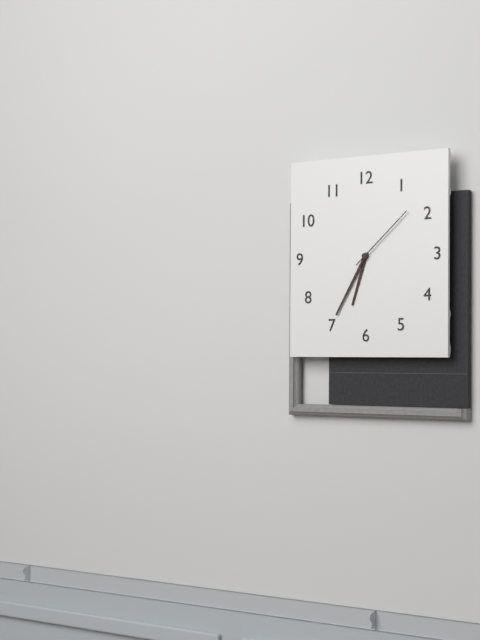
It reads 6:35:08
